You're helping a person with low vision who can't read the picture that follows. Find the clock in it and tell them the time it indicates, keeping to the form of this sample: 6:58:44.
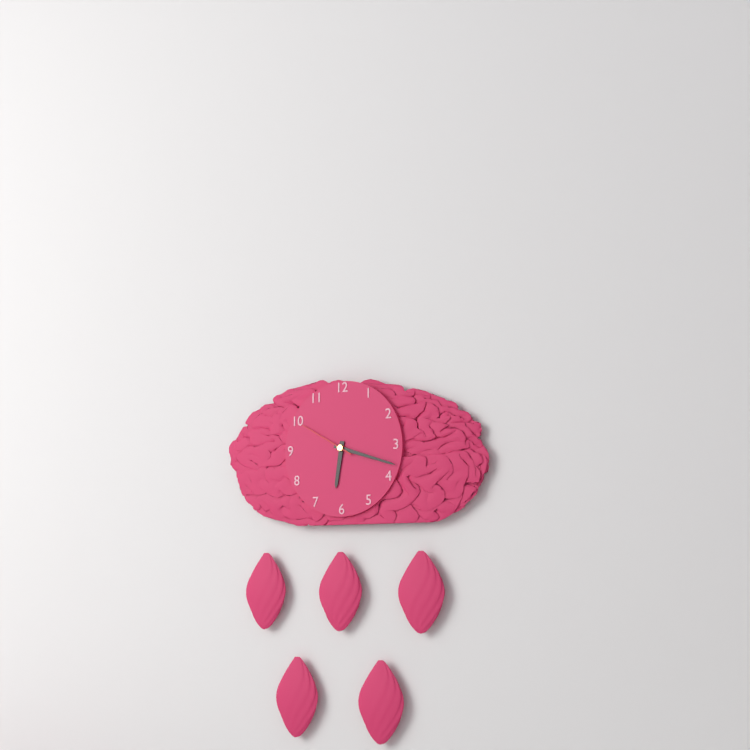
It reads 6:18:50
